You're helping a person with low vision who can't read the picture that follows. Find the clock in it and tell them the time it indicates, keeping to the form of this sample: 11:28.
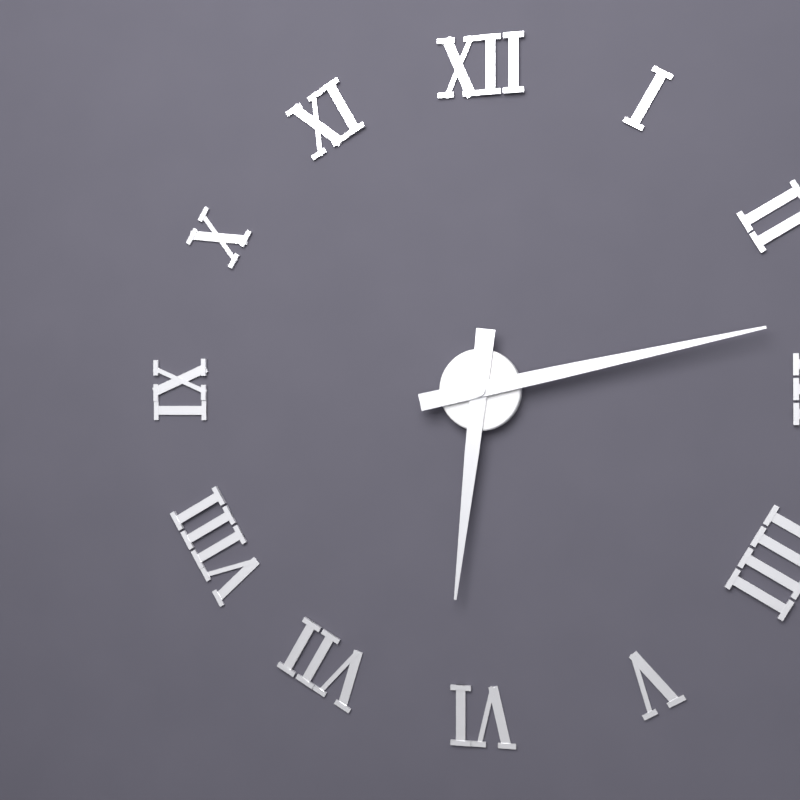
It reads 6:13
